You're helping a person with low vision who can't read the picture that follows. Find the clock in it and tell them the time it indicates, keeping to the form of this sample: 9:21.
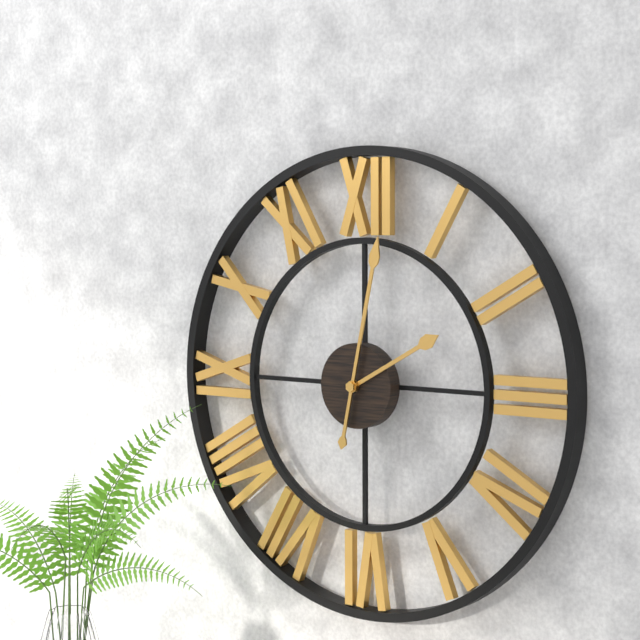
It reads 2:02
